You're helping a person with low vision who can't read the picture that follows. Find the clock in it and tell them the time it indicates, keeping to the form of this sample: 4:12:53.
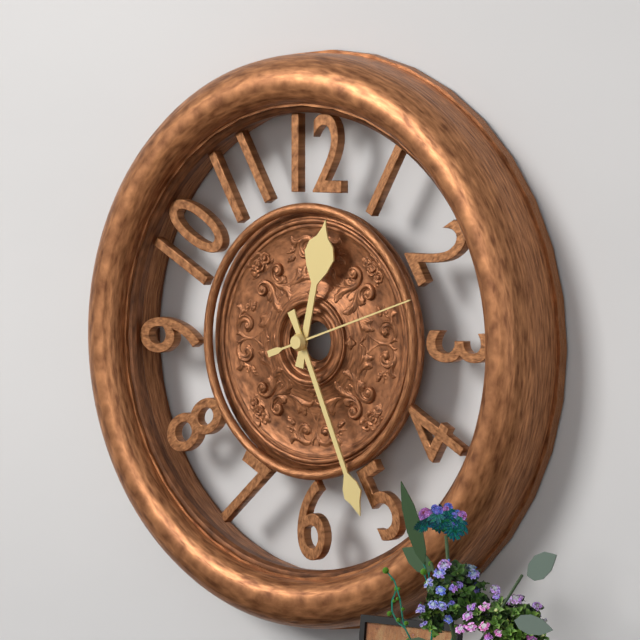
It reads 12:26:12
